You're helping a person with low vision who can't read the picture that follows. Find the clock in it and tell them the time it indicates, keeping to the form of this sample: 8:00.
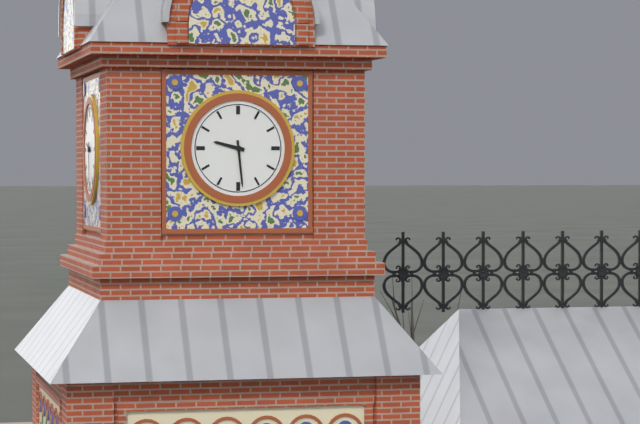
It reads 9:29
